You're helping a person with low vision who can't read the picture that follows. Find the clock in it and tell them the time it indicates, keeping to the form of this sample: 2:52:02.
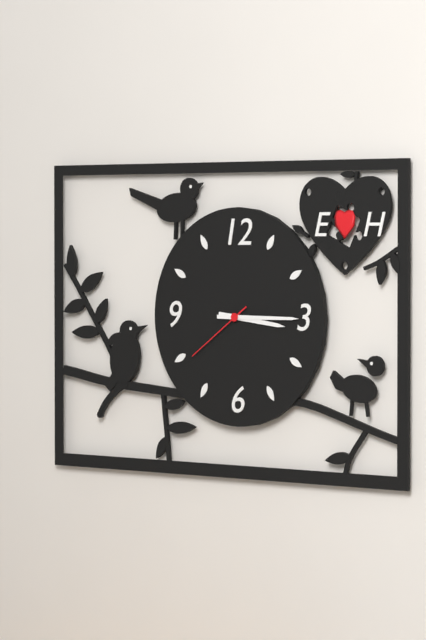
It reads 3:15:39
